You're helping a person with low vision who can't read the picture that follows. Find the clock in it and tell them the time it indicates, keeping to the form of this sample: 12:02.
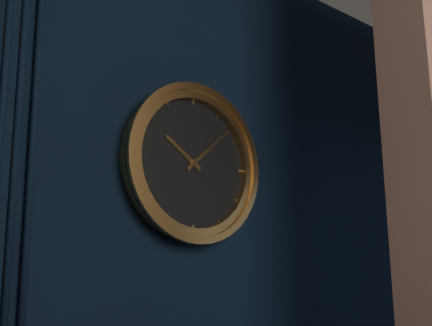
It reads 10:08
